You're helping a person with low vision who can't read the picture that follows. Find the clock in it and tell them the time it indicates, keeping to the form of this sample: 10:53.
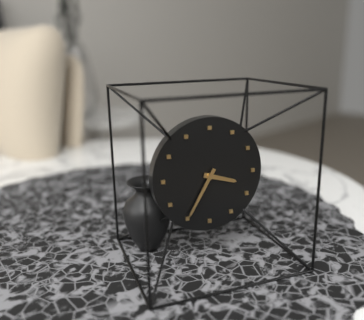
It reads 3:35
